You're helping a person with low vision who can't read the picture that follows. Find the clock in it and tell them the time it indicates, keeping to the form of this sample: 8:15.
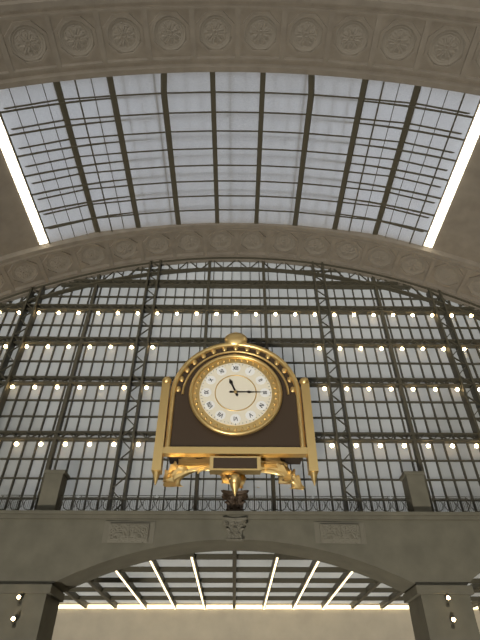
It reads 11:15
